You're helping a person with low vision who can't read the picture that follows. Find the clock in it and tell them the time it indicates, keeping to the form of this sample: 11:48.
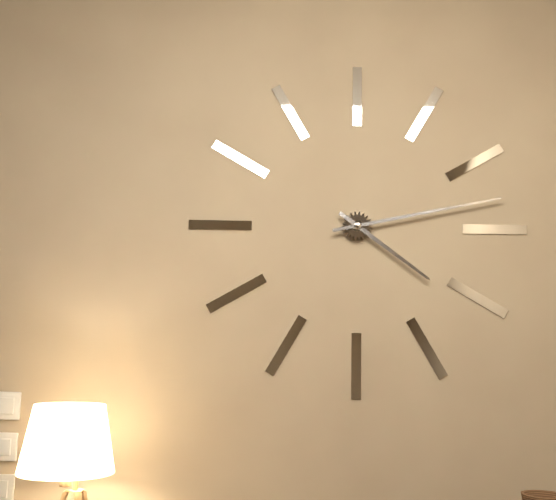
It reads 4:13
